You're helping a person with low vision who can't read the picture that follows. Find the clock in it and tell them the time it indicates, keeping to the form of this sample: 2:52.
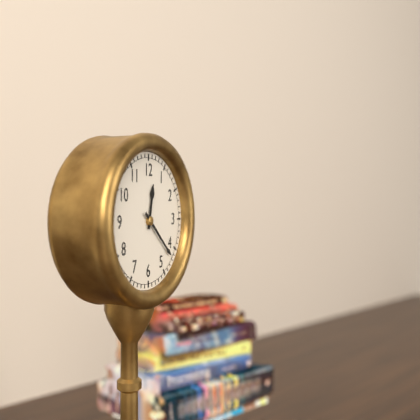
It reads 12:22
